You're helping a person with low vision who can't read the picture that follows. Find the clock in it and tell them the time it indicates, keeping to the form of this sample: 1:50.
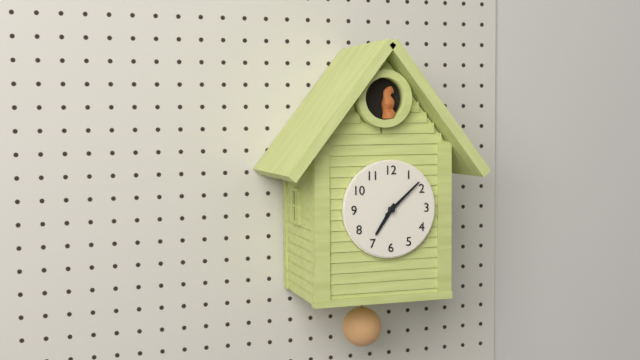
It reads 7:08
